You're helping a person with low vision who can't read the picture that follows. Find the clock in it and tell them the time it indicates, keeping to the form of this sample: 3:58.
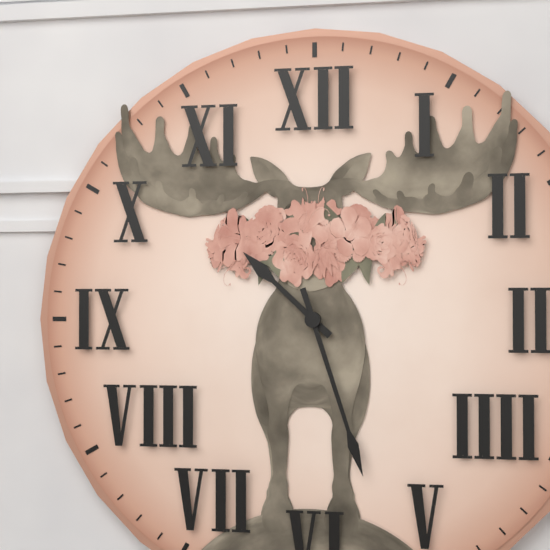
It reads 10:27
